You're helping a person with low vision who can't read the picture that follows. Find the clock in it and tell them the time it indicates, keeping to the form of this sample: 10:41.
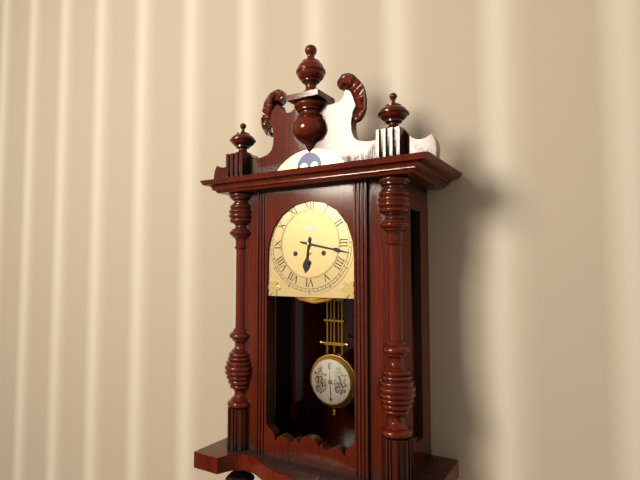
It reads 6:17
